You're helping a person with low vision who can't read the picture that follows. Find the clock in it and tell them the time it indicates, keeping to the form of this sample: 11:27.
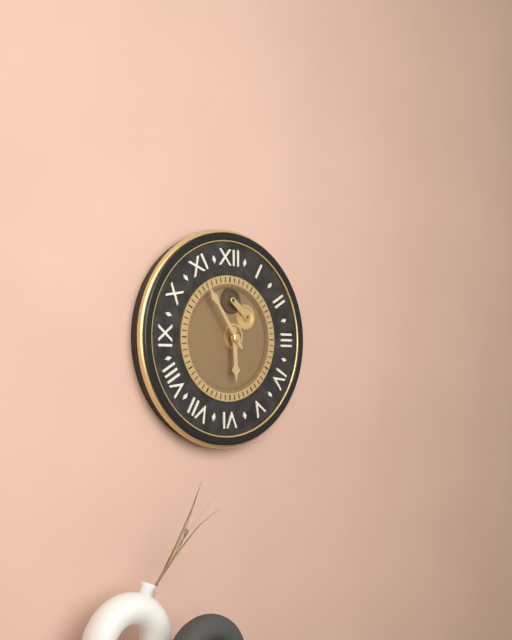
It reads 5:54
